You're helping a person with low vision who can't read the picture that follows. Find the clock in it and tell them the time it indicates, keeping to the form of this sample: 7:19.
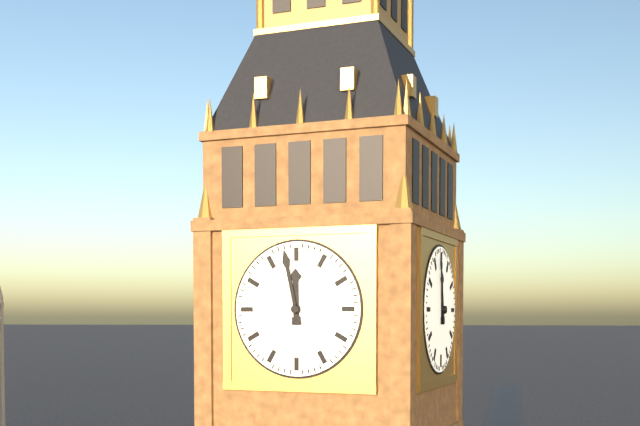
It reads 11:58
